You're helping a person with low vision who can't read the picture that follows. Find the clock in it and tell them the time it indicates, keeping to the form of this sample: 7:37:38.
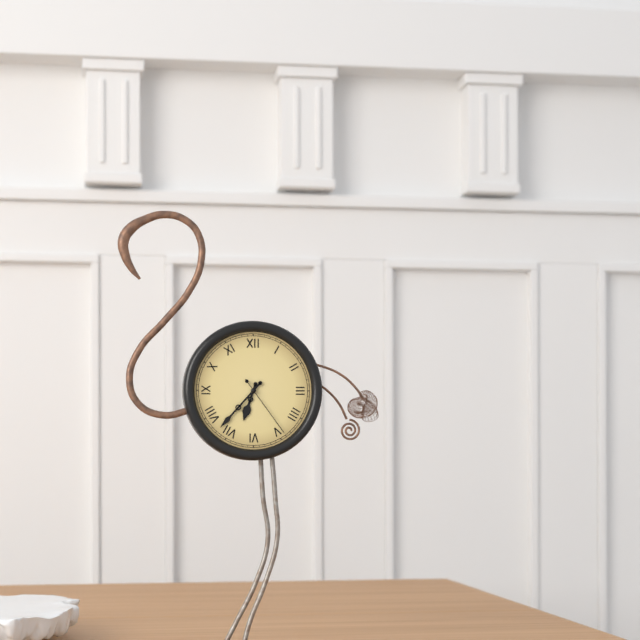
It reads 6:37:24
